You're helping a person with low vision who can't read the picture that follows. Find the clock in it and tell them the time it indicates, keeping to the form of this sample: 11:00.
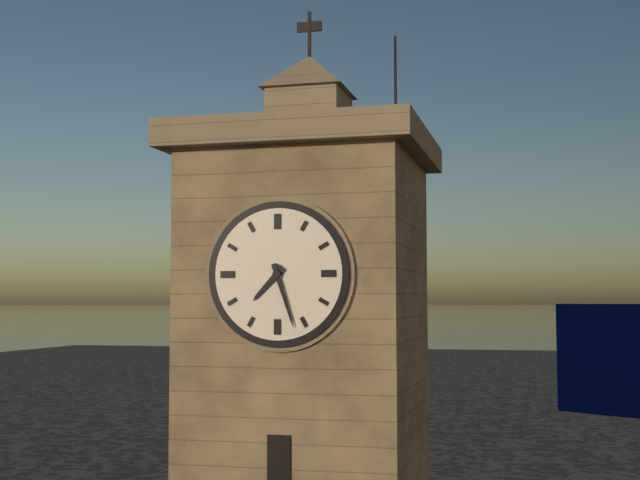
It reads 7:27
